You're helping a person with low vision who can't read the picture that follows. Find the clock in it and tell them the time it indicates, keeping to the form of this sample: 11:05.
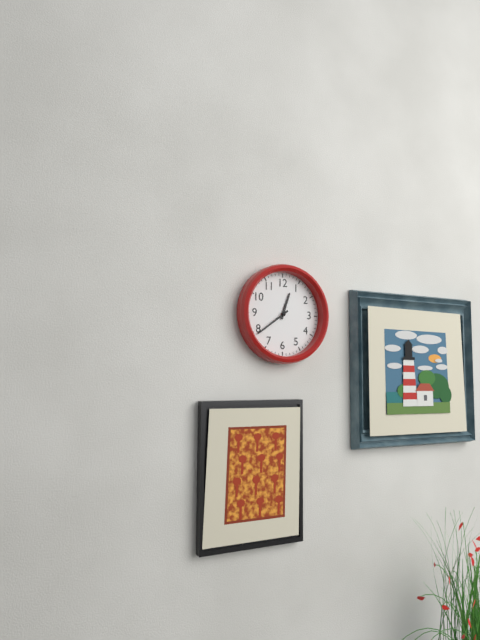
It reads 12:39
